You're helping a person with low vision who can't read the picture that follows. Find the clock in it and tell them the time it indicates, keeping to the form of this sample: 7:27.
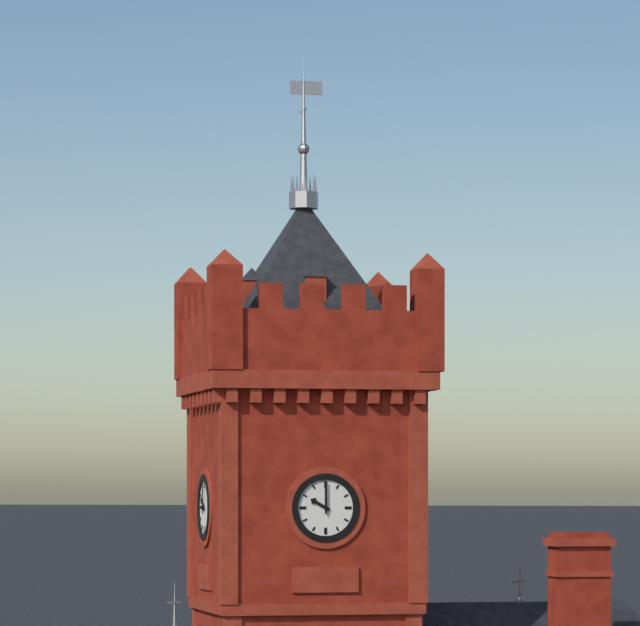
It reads 10:00
